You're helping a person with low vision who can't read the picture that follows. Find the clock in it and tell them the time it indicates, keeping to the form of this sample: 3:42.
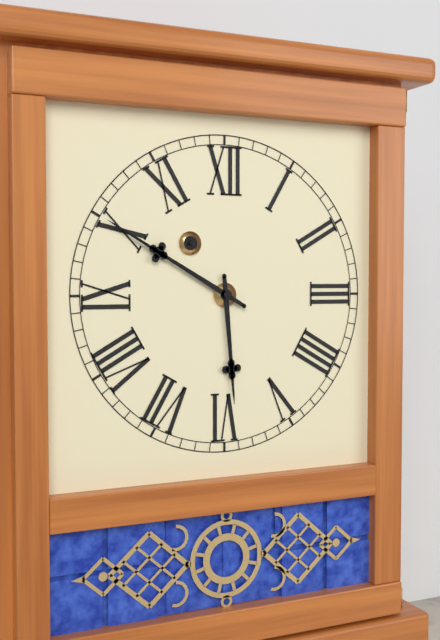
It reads 5:50
